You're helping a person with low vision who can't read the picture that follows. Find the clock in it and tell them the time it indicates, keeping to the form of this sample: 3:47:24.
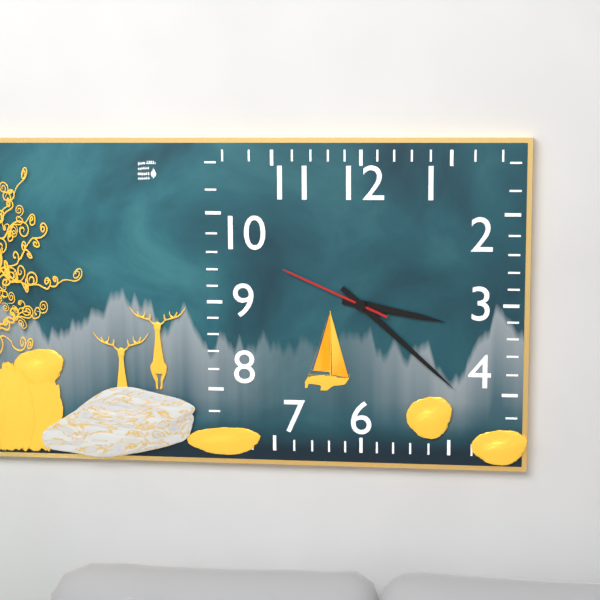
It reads 3:22:49
